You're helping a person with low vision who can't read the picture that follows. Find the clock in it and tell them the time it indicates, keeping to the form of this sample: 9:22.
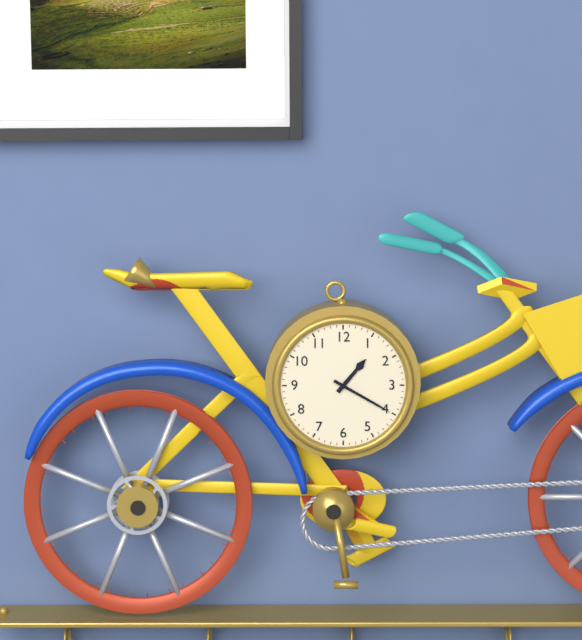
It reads 1:20
